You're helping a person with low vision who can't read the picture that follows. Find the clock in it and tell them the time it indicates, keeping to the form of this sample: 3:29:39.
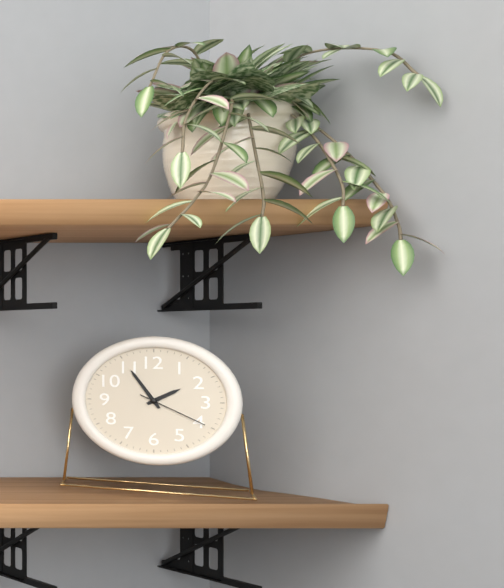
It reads 1:55:20
